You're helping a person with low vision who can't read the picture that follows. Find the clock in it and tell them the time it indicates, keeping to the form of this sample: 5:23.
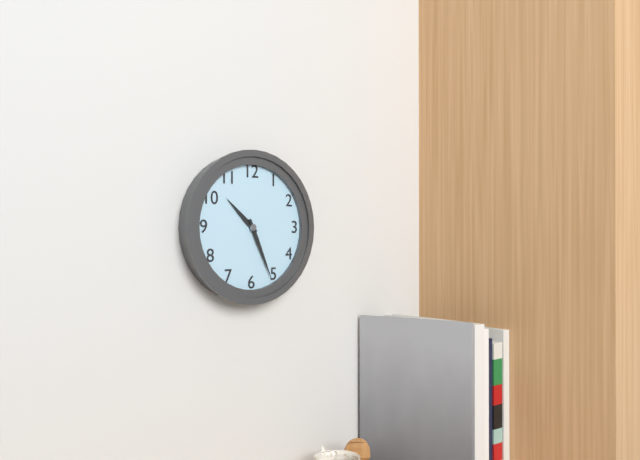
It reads 10:26
